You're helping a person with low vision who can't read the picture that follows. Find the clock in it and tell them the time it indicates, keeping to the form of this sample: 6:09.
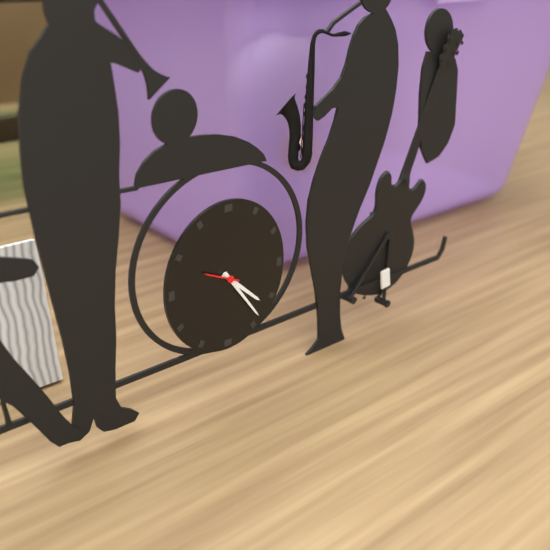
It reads 4:24
